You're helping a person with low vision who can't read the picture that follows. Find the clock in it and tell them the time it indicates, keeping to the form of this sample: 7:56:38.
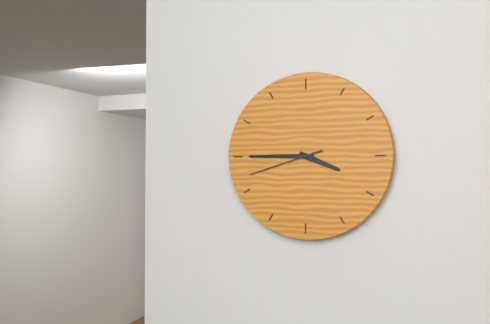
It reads 3:45:42
